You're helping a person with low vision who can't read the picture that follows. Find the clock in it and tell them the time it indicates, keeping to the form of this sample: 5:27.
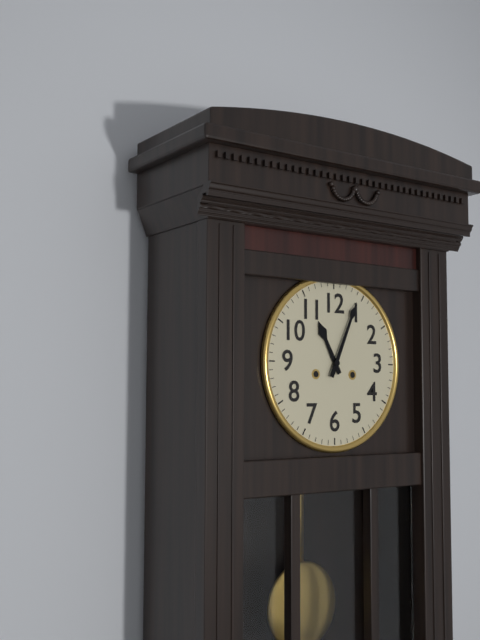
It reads 11:04
